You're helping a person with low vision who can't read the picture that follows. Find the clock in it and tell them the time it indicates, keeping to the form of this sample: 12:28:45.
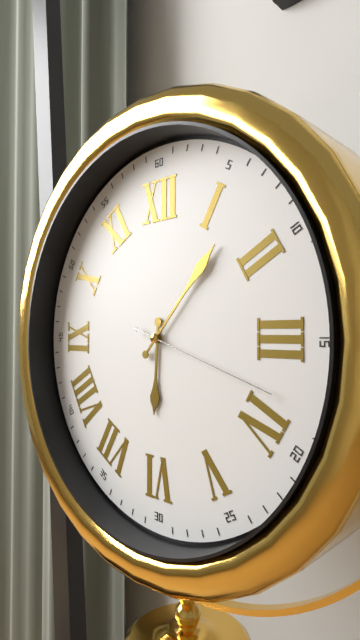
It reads 6:07:18
